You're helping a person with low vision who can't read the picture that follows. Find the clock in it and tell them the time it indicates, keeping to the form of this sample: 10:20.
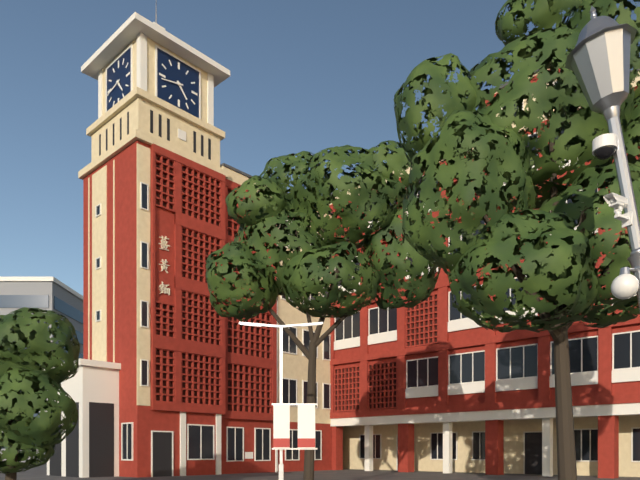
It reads 4:43
